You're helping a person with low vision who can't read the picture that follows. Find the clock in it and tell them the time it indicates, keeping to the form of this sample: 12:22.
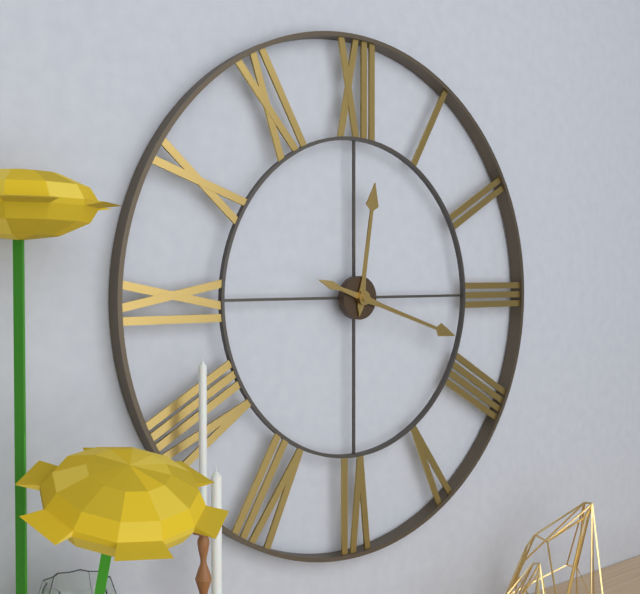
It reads 12:18
